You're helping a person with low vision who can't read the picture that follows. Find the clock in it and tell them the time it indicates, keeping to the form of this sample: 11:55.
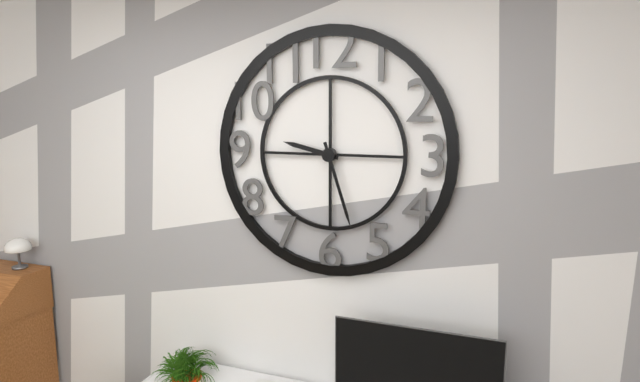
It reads 9:27
